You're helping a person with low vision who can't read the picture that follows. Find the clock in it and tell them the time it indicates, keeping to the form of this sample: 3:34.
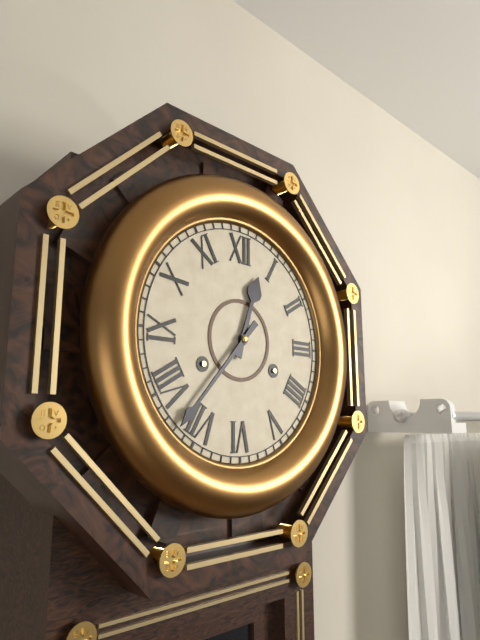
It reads 12:37
